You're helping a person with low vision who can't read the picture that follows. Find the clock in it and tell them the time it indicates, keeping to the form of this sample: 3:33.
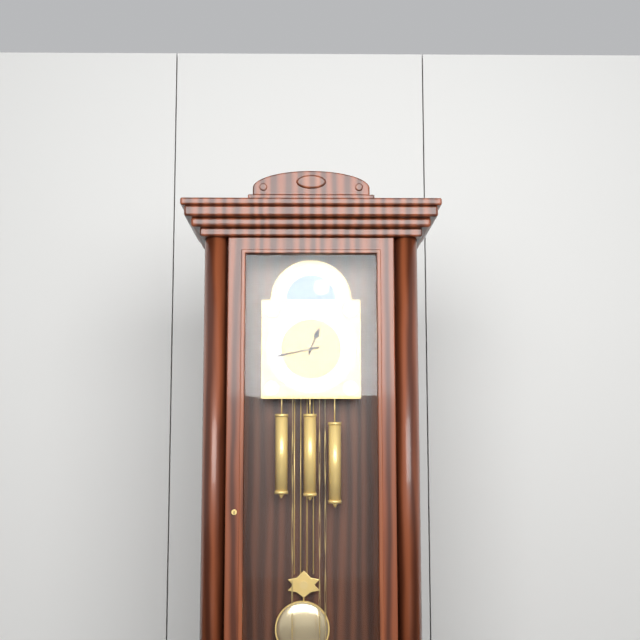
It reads 12:43
